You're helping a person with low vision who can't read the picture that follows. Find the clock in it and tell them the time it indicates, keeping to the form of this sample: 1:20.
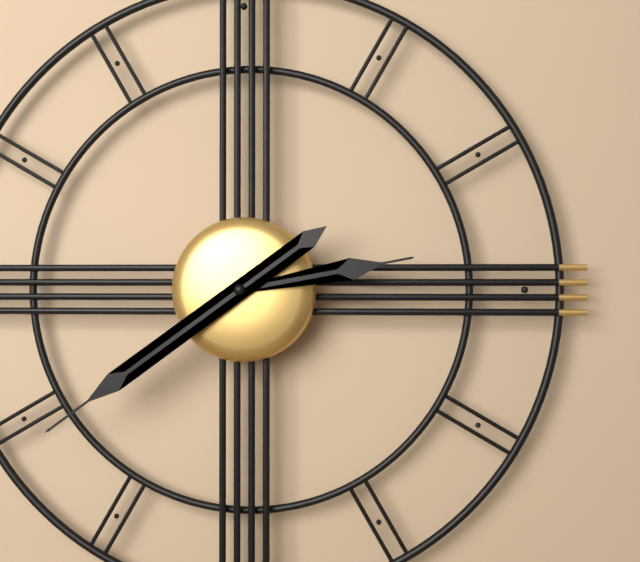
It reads 2:39
